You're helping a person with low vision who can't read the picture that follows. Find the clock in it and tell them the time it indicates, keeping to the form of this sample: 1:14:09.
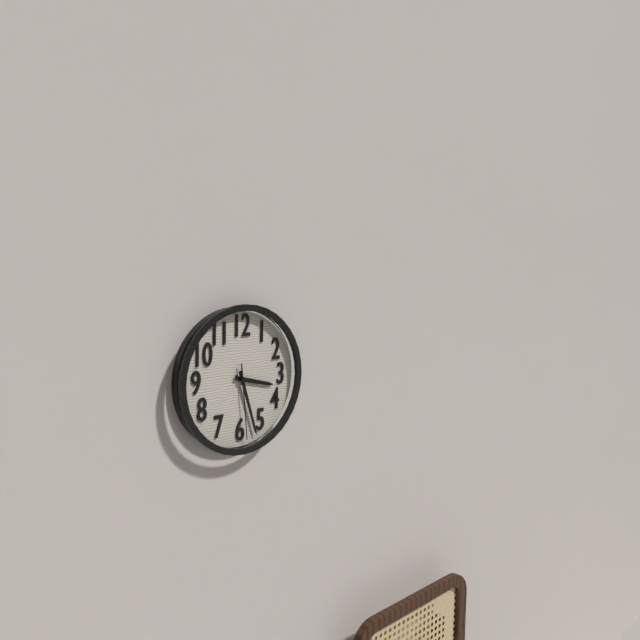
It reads 3:27:29
